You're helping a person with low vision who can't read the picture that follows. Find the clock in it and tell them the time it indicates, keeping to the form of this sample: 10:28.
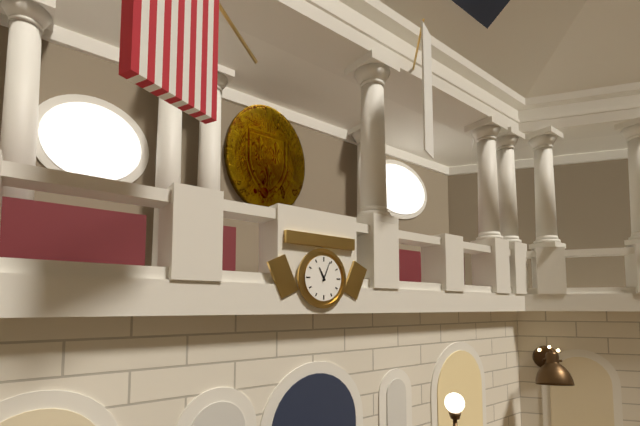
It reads 11:04
